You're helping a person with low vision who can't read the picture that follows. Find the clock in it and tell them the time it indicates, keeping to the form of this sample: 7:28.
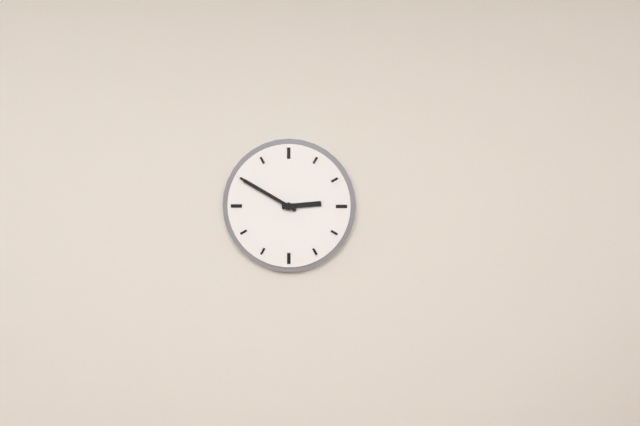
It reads 2:50
